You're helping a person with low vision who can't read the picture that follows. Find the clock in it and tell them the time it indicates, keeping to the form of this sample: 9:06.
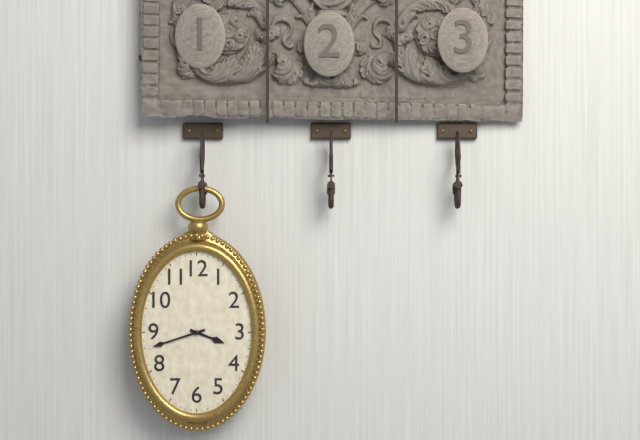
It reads 3:42
